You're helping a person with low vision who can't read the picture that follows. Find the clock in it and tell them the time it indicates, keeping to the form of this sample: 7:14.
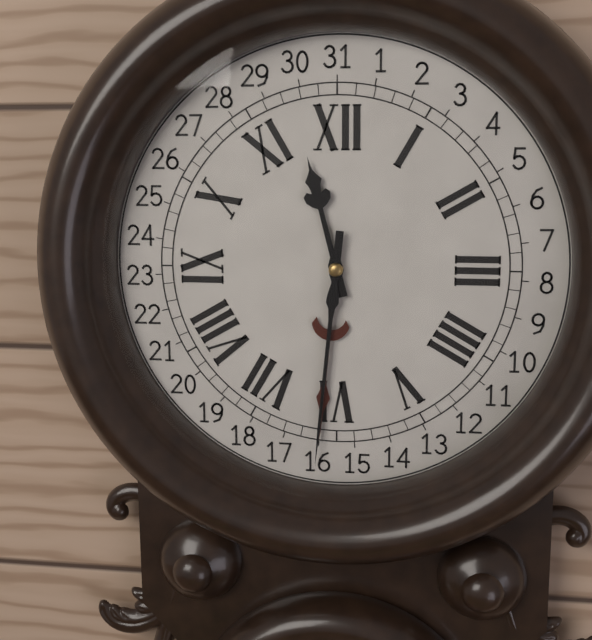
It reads 11:31
